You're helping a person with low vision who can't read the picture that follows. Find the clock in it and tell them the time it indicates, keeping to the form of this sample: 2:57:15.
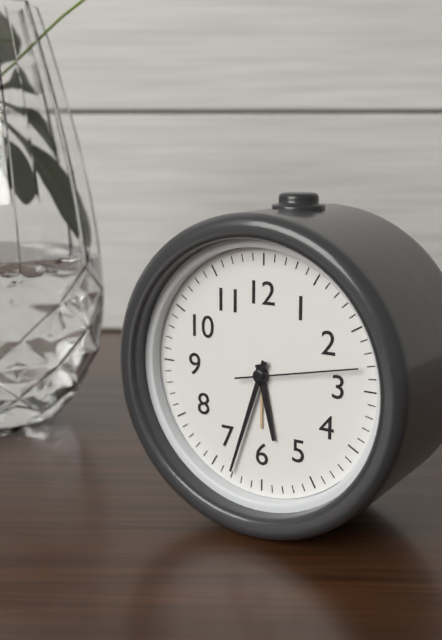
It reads 5:33:13
